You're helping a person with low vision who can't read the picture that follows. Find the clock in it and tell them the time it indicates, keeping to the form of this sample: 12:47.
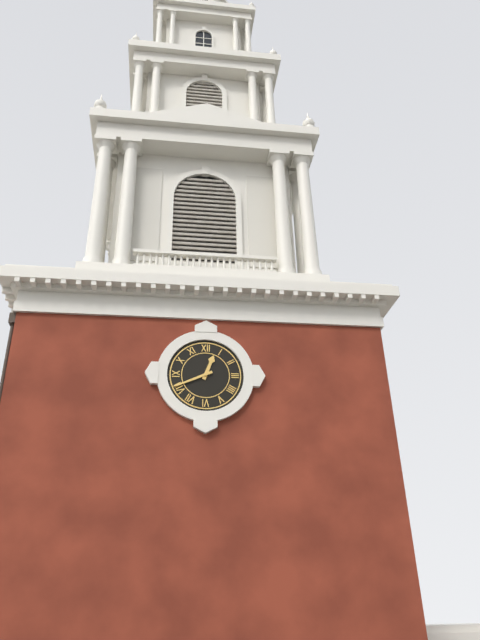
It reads 12:41
